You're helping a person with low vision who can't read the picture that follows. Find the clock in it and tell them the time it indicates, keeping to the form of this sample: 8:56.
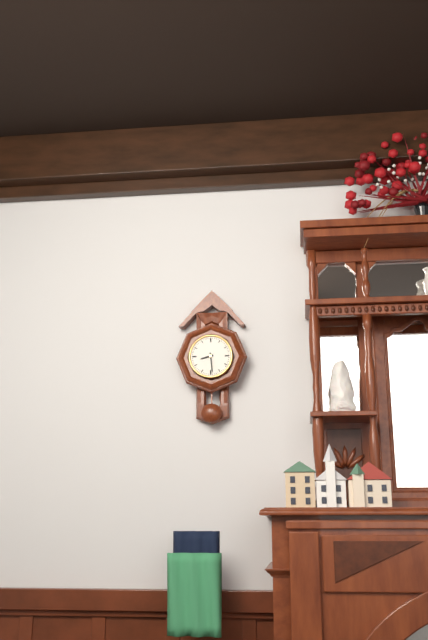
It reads 8:29
